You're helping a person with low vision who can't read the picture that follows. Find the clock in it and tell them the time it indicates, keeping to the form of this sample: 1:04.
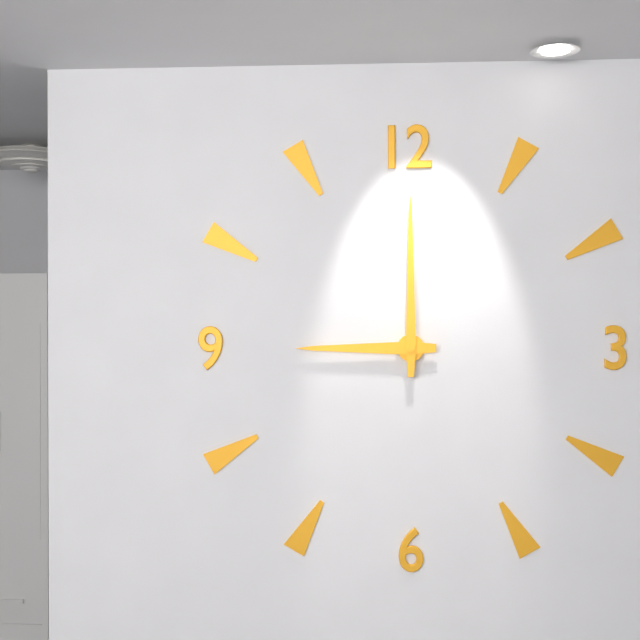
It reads 9:00
